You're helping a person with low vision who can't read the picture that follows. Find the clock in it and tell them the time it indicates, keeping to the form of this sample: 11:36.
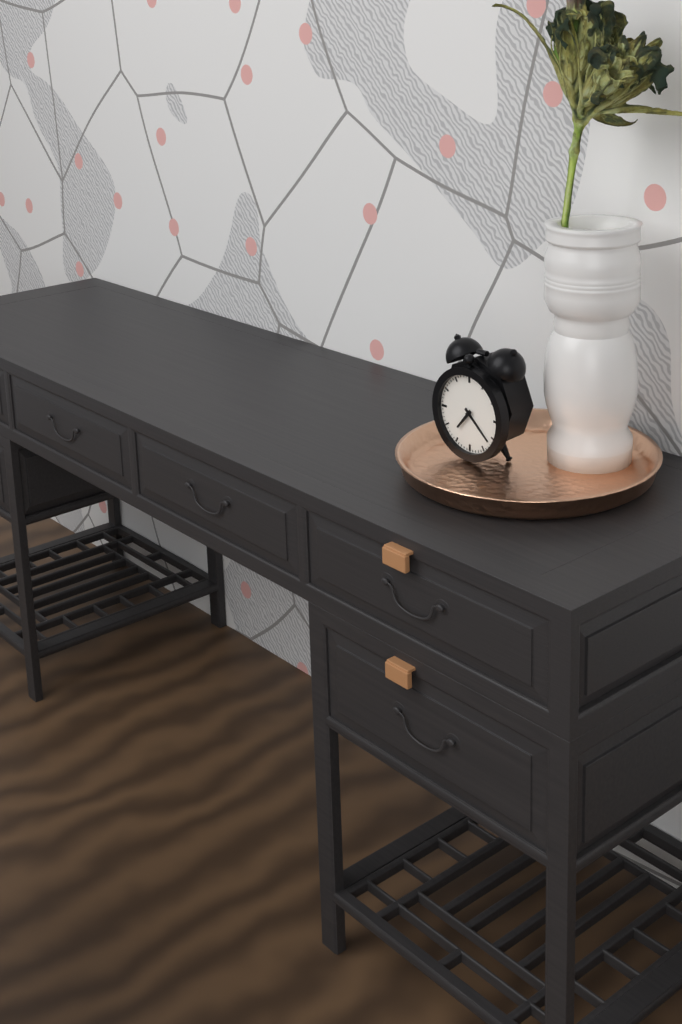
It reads 7:22
